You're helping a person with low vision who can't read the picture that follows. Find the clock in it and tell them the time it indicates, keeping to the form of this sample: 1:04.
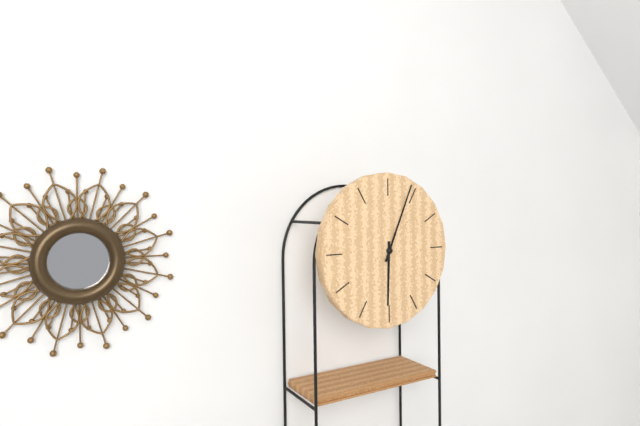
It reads 6:04
